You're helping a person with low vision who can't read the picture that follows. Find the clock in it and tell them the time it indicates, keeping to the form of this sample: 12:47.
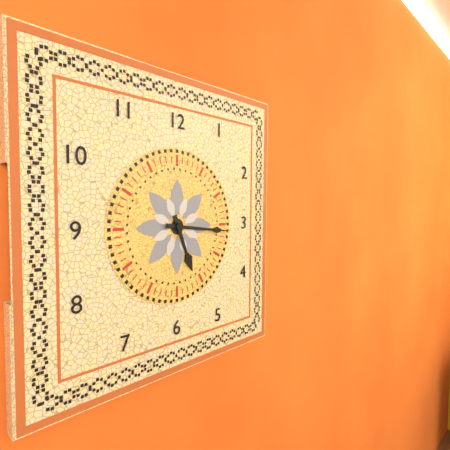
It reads 5:16
